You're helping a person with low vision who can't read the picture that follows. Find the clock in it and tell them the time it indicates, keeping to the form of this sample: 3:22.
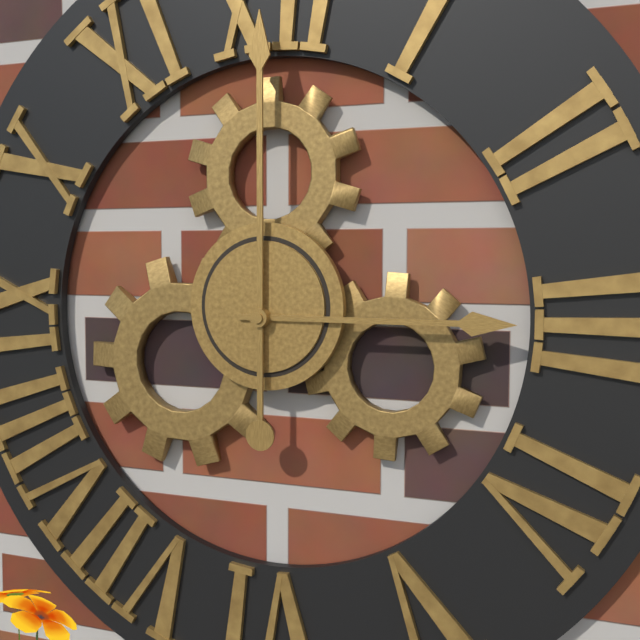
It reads 3:00
